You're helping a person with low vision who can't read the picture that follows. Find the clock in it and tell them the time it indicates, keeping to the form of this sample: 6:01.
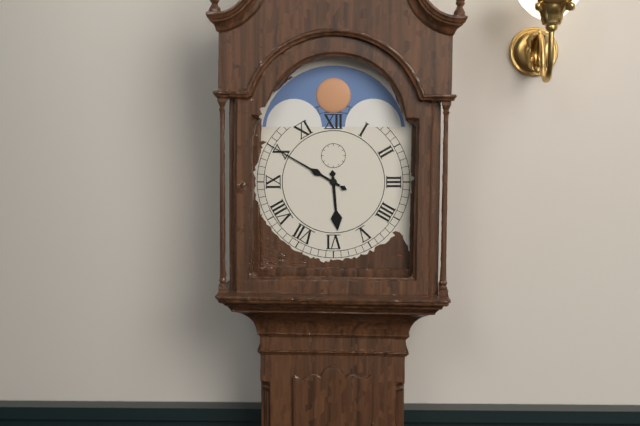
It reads 5:50
